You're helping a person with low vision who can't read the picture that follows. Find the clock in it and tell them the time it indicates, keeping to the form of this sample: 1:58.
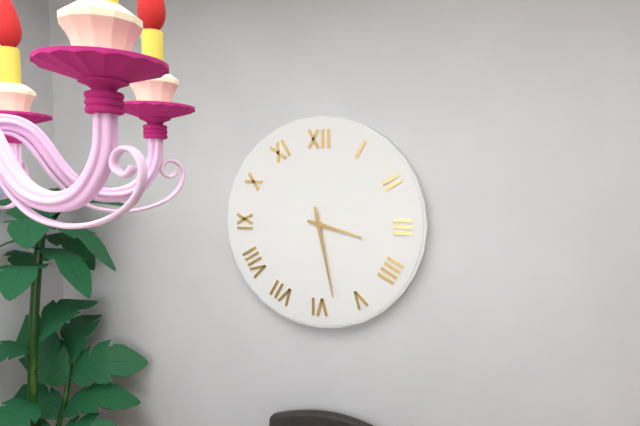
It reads 3:28
